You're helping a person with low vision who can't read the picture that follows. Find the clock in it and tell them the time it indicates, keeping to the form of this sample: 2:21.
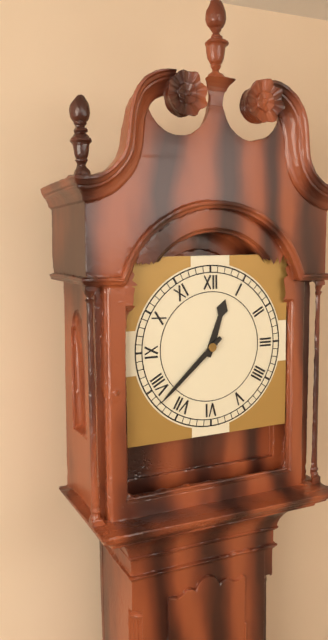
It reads 12:38
